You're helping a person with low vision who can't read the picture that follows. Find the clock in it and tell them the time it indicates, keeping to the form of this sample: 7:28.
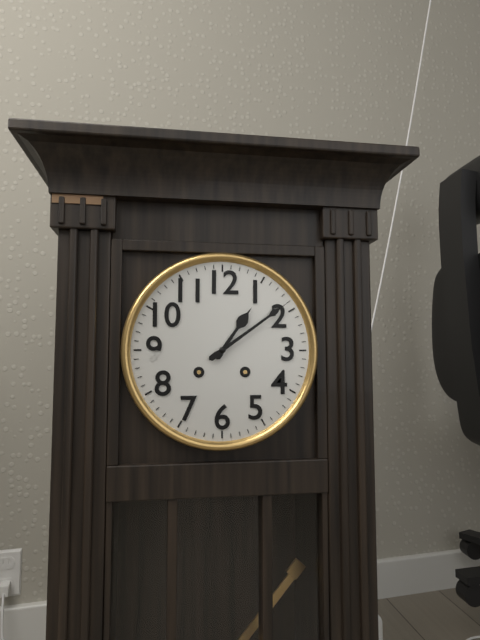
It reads 1:09
